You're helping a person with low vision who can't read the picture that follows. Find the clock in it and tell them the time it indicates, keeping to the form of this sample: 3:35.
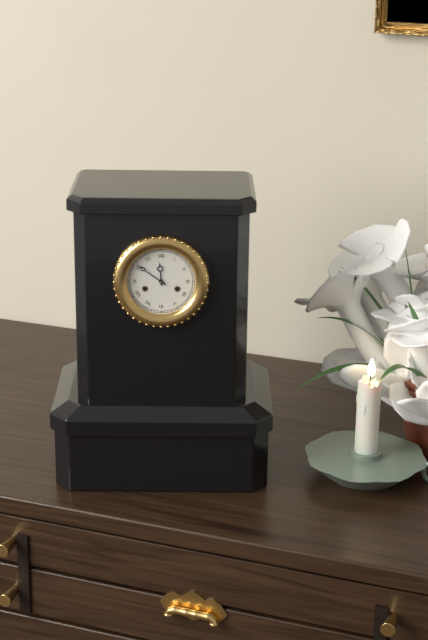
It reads 11:51
